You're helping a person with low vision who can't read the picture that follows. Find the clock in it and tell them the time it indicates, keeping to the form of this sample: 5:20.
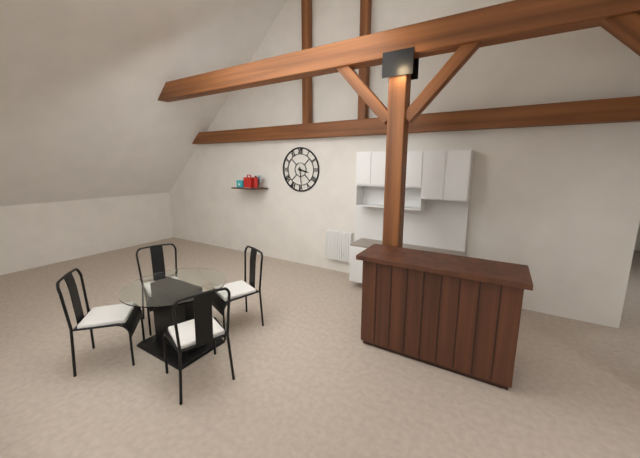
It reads 3:29
